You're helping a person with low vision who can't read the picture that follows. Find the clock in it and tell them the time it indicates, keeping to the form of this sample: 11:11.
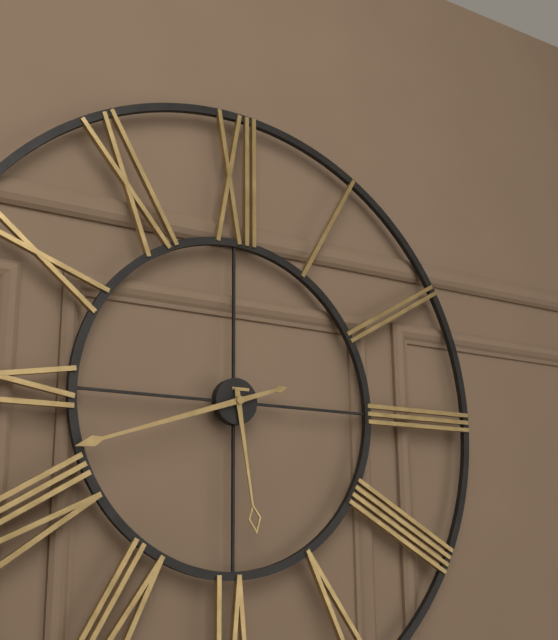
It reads 5:42
